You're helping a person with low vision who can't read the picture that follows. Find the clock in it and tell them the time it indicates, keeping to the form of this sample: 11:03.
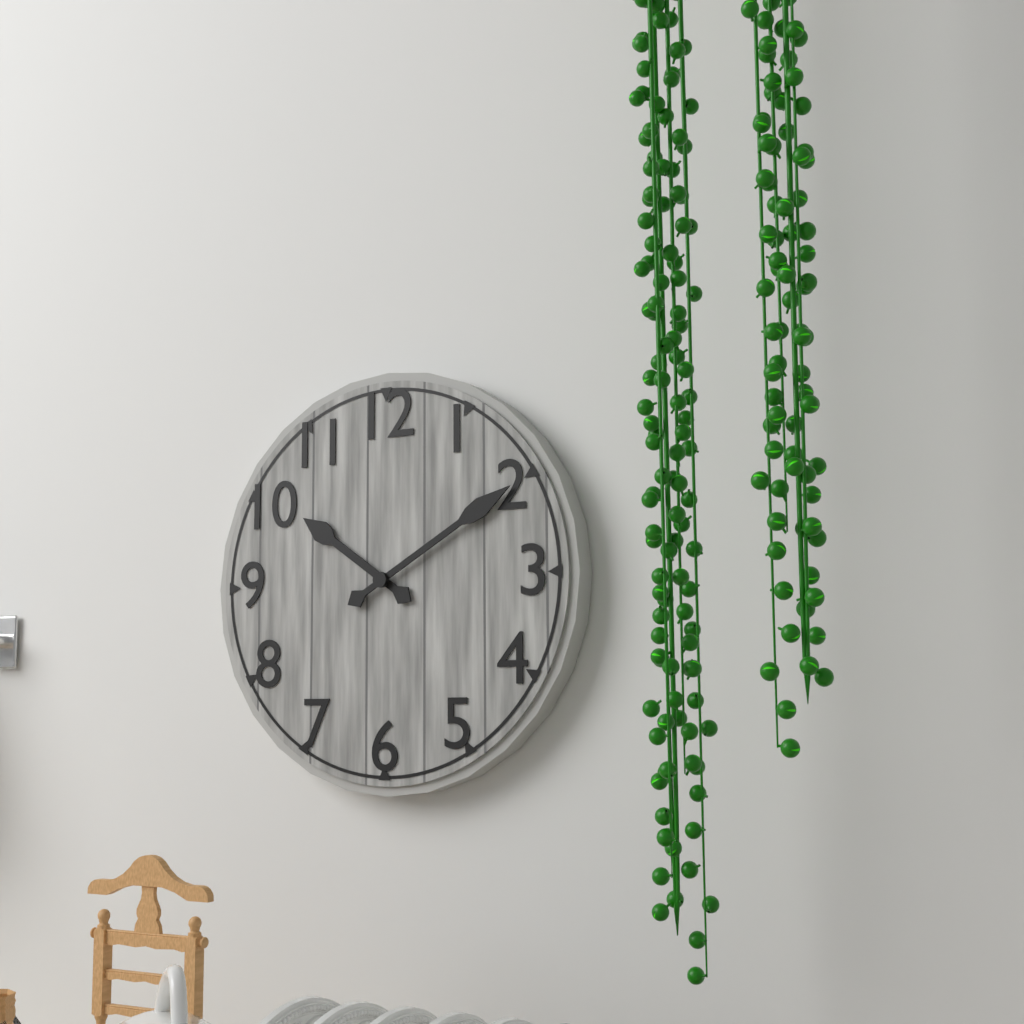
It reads 10:10
